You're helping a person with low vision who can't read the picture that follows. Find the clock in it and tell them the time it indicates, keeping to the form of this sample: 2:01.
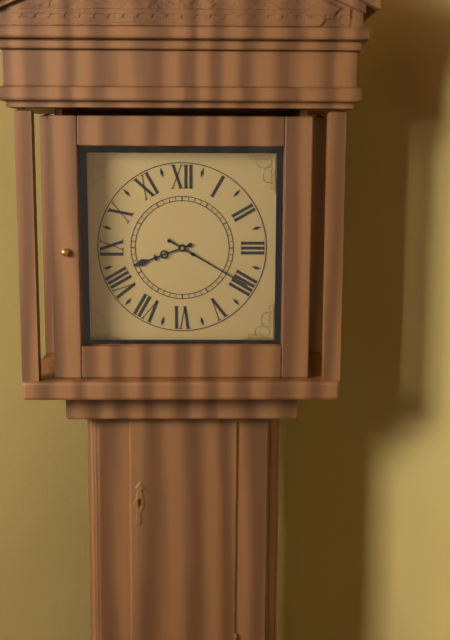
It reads 8:20
